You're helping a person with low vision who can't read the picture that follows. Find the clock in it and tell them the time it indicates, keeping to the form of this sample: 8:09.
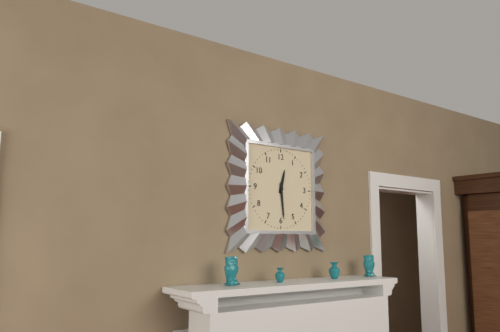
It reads 12:29
